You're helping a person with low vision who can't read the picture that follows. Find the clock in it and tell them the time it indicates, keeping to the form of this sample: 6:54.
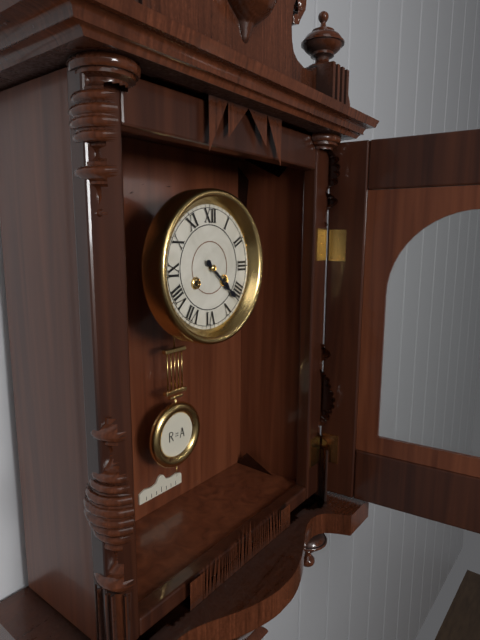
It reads 4:22
